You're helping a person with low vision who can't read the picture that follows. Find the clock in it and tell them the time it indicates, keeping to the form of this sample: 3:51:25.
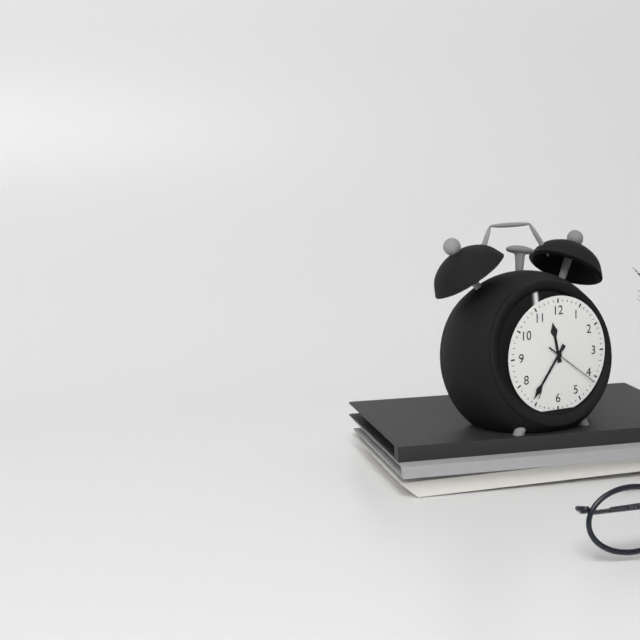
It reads 11:36:21
